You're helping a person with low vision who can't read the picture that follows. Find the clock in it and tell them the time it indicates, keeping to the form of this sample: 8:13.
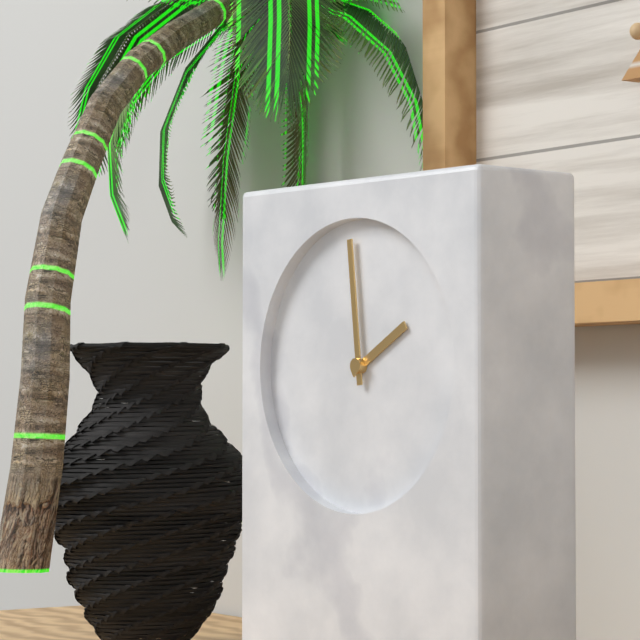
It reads 1:59
